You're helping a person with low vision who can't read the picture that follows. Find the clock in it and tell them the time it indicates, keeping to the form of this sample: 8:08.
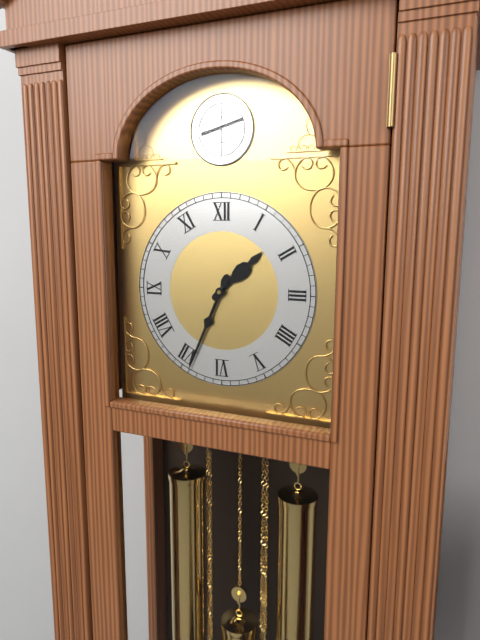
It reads 1:34
